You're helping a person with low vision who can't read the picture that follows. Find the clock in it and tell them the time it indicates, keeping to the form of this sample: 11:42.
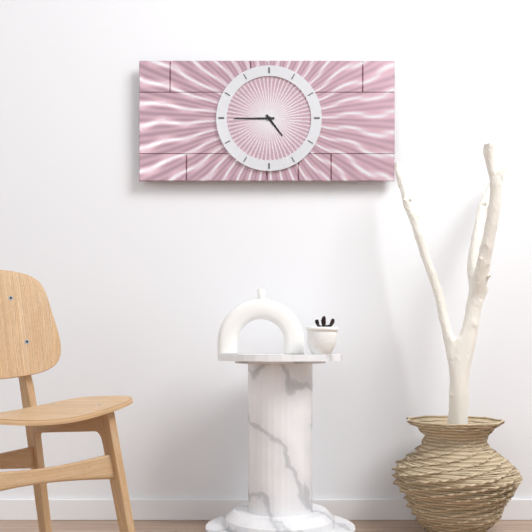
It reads 4:45
